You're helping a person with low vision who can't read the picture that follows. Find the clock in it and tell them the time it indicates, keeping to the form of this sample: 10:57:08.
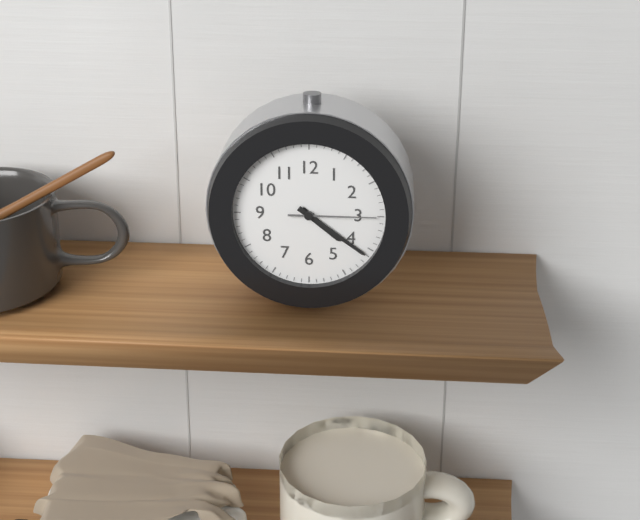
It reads 4:21:15
